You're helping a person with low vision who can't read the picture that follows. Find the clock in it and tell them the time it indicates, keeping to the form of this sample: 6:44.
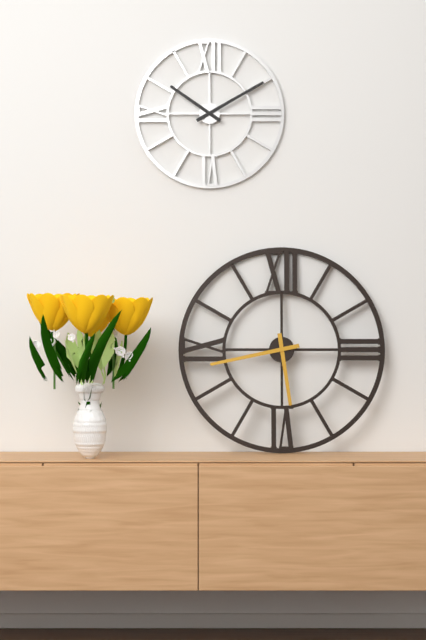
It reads 5:43
